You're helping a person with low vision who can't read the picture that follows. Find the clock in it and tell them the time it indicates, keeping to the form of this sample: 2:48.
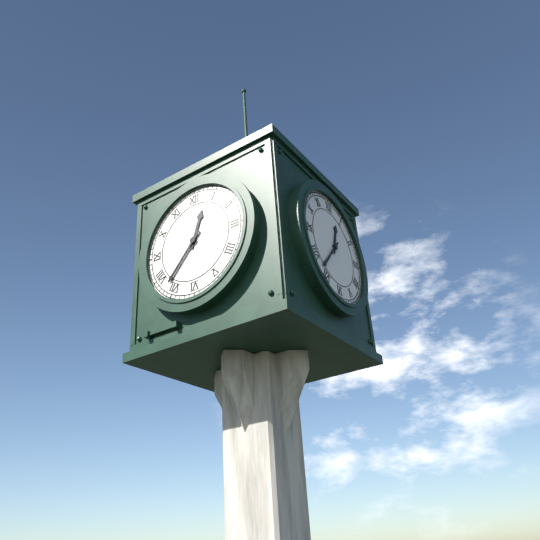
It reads 12:37
